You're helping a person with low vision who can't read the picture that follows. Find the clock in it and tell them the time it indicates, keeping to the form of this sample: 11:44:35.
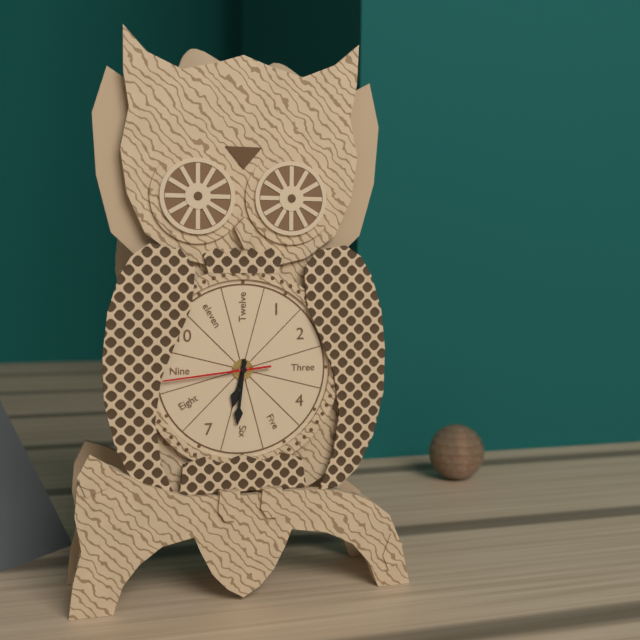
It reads 6:31:44
